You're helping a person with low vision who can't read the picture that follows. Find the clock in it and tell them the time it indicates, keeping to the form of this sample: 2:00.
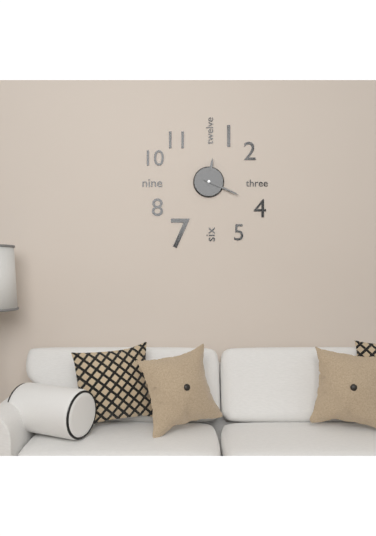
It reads 12:19
